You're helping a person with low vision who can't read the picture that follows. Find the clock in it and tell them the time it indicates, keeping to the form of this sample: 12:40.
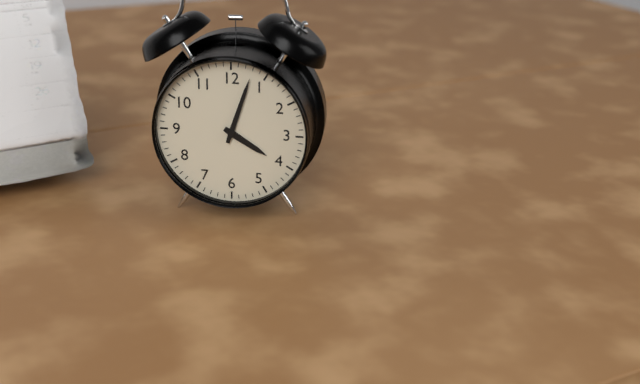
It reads 4:03
